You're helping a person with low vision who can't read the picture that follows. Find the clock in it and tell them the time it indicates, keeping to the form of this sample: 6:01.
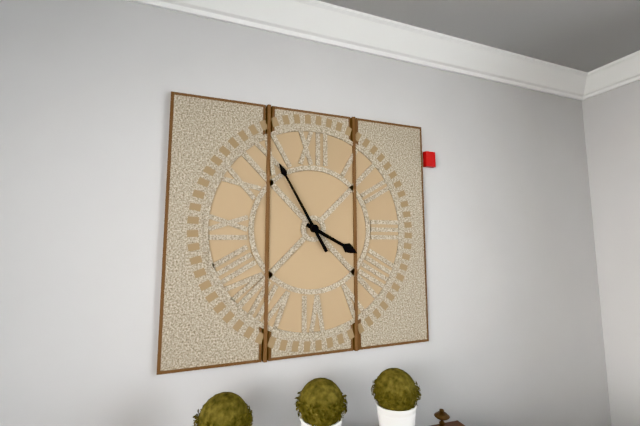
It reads 3:55
